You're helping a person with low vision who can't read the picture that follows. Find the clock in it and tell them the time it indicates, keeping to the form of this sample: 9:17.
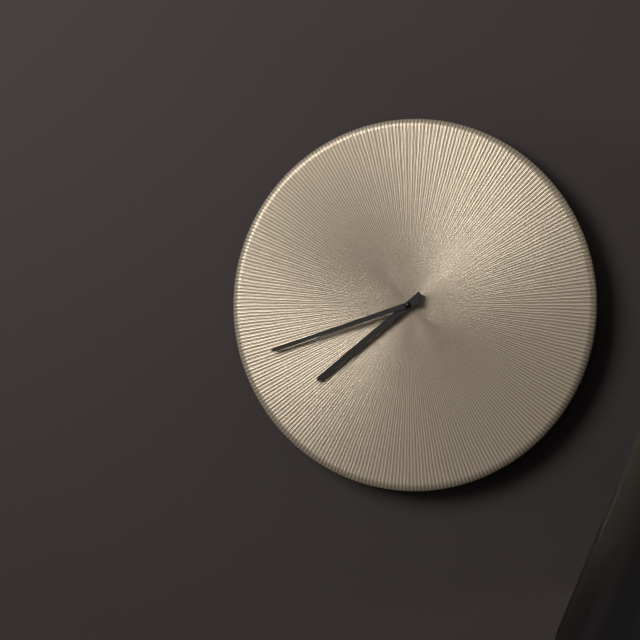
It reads 7:42
